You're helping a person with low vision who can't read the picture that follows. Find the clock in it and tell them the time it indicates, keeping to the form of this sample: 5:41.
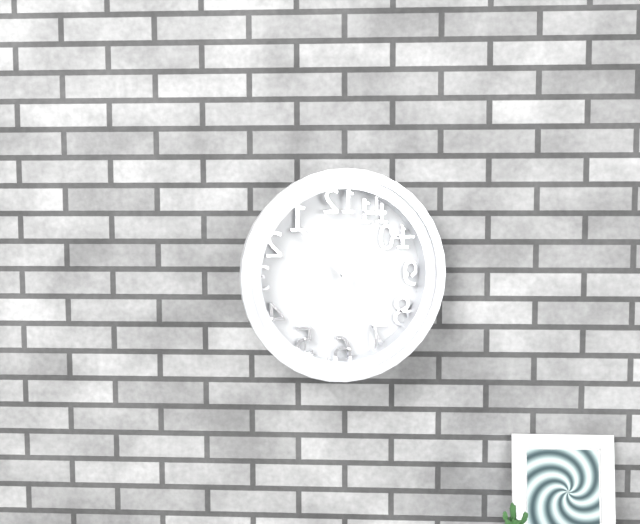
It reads 10:32
